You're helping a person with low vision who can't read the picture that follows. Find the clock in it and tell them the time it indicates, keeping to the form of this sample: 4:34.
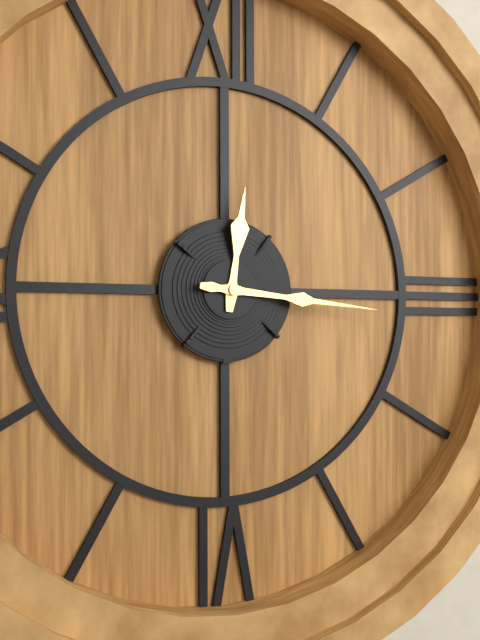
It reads 12:16
